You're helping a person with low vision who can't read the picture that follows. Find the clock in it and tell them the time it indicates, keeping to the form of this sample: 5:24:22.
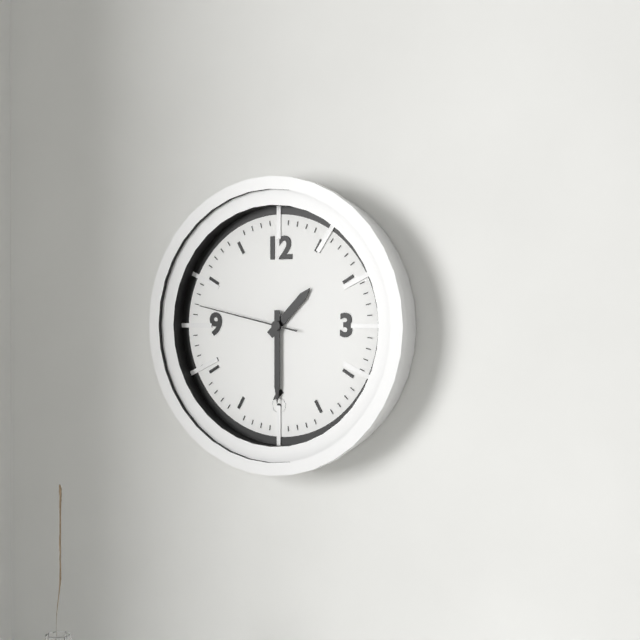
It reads 1:30:47
